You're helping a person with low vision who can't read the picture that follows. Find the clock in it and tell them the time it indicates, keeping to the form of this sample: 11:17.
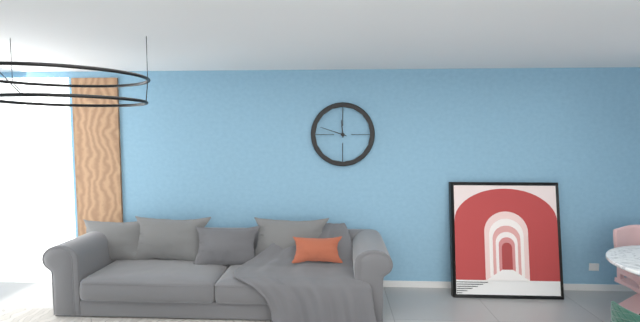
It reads 11:48
